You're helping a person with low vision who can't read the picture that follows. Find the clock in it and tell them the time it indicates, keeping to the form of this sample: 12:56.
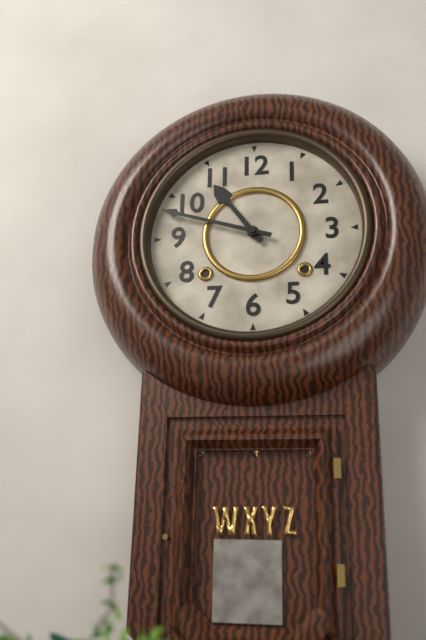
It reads 10:48
